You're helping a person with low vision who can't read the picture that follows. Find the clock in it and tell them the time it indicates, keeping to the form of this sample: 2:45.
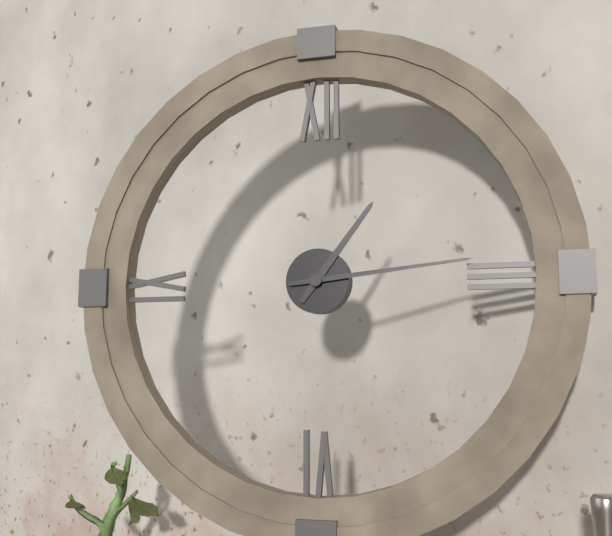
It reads 1:14
